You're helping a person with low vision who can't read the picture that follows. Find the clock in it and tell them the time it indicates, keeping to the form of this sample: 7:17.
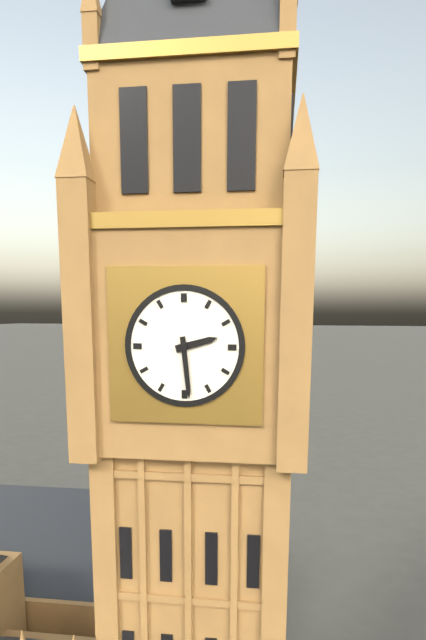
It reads 2:29
